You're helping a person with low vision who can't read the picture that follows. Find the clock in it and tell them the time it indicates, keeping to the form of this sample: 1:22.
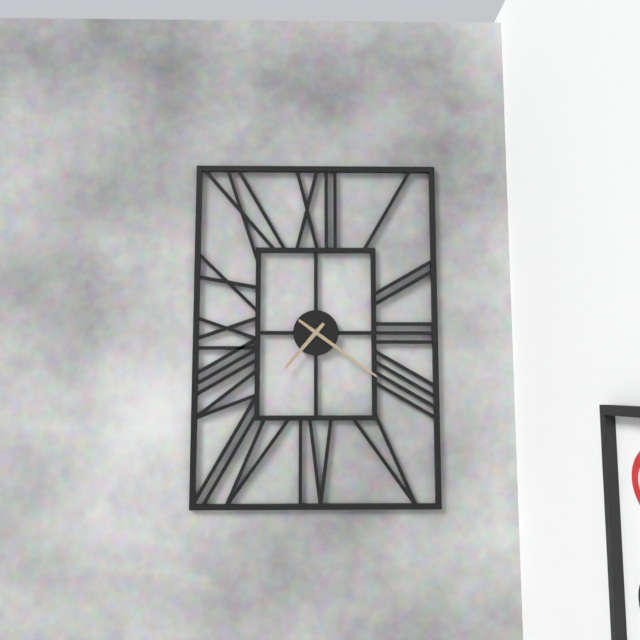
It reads 7:21
